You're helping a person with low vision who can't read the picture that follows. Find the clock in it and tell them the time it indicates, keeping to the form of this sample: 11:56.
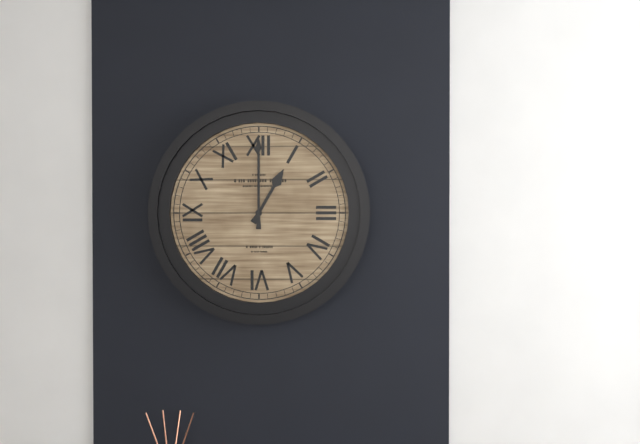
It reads 1:00
